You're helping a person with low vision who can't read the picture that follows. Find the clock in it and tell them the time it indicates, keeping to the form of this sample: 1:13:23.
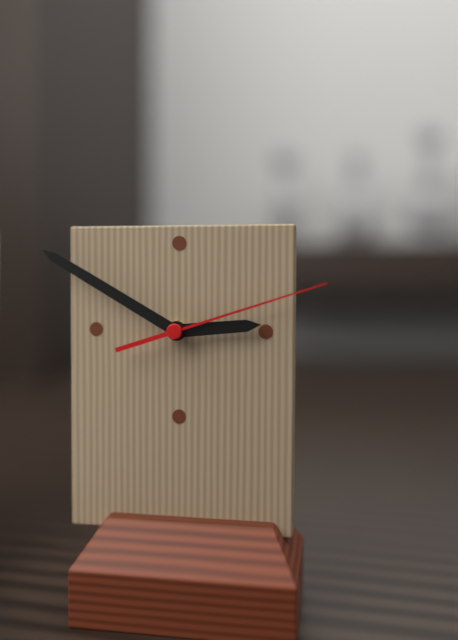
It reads 2:50:12
